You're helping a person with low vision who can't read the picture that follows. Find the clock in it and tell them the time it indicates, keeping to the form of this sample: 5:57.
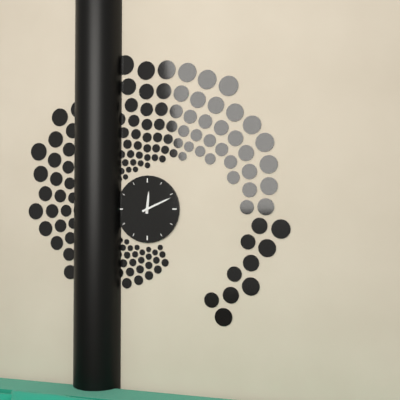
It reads 12:11
